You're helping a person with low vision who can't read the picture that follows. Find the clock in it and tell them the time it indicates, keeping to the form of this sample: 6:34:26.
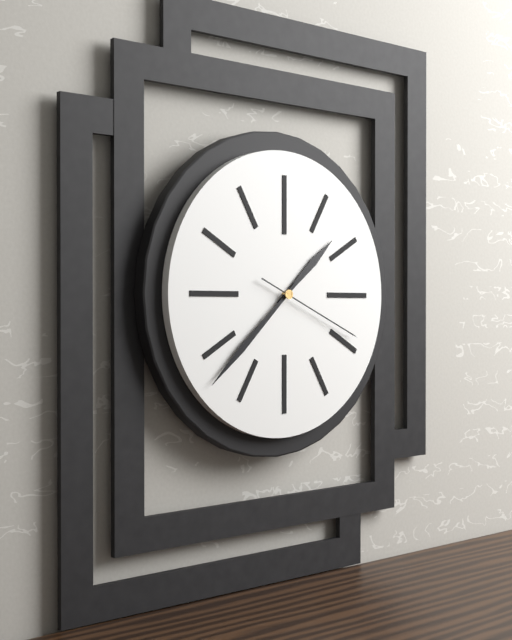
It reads 1:38:19
